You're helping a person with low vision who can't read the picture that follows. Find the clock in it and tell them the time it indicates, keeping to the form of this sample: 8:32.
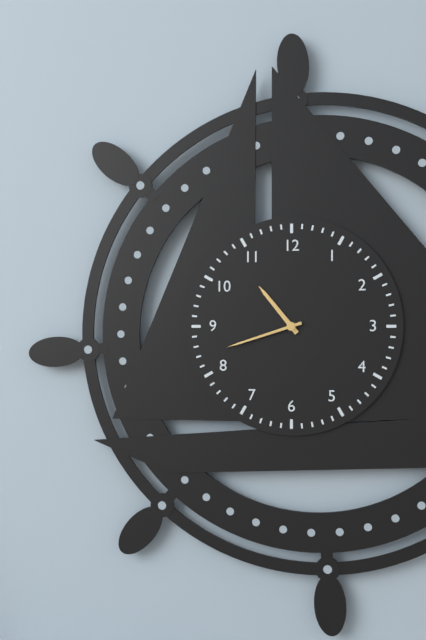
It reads 10:42
